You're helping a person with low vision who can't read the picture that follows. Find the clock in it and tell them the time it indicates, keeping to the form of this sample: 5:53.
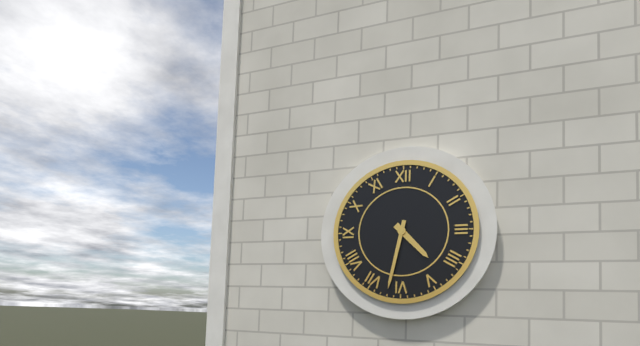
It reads 4:32
